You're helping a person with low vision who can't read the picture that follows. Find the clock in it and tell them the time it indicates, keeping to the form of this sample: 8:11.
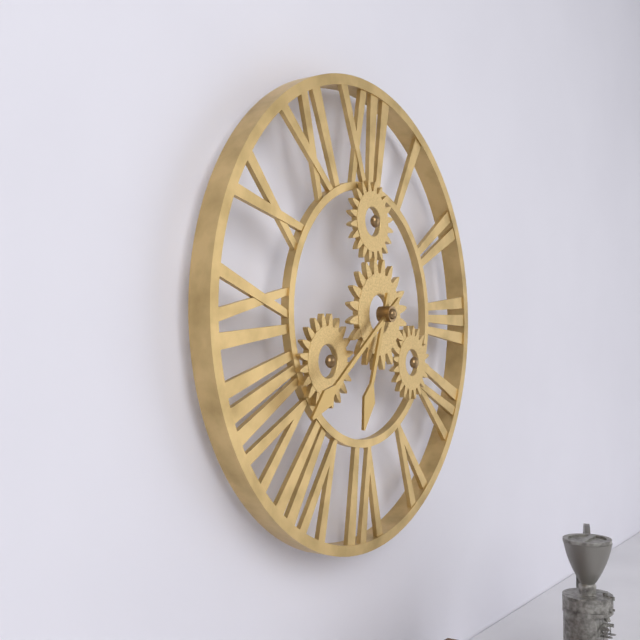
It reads 6:39
